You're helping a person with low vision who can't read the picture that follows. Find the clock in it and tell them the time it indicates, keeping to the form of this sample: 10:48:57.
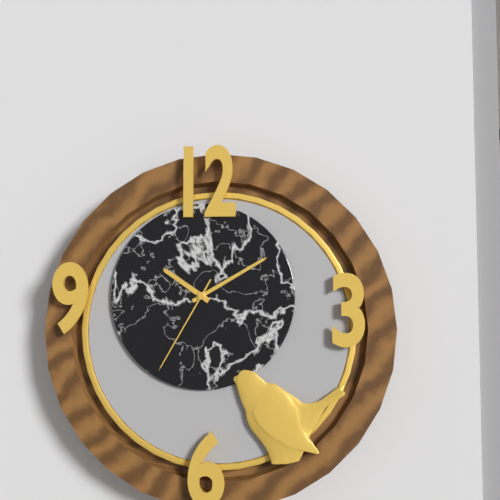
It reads 10:10:35
